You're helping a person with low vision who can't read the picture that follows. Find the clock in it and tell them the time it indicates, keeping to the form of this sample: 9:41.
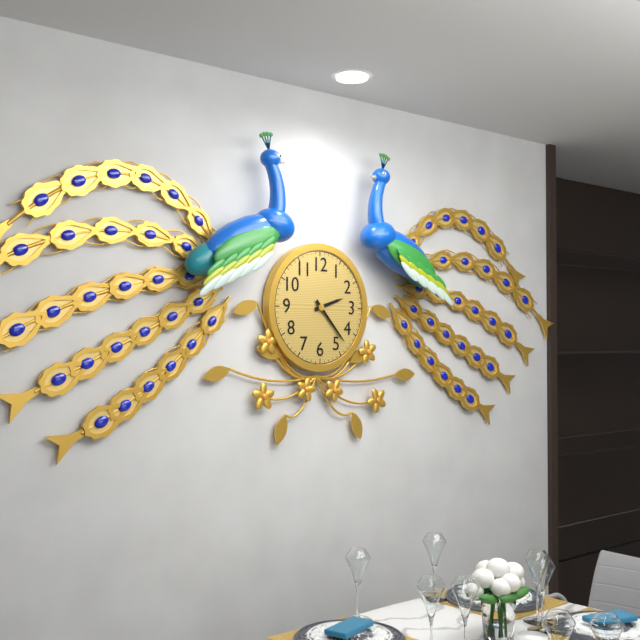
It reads 2:23
